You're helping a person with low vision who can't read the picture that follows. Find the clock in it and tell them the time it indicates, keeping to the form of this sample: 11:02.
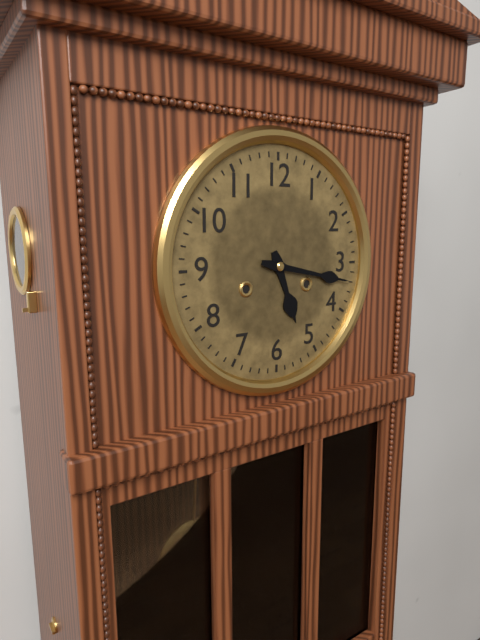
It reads 5:17
